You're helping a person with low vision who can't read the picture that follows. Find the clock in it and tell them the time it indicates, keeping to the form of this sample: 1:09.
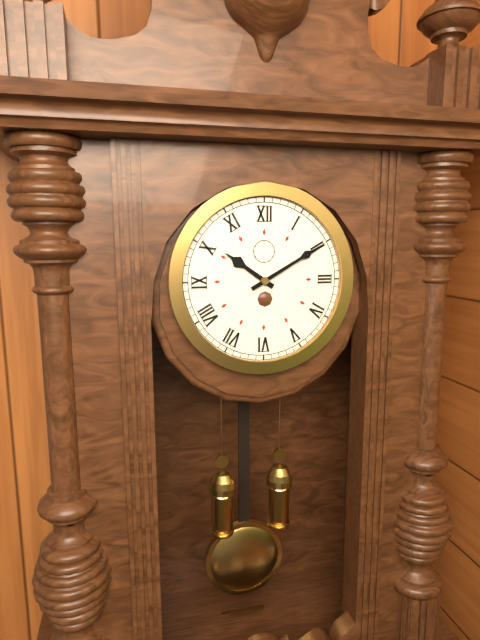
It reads 10:10
